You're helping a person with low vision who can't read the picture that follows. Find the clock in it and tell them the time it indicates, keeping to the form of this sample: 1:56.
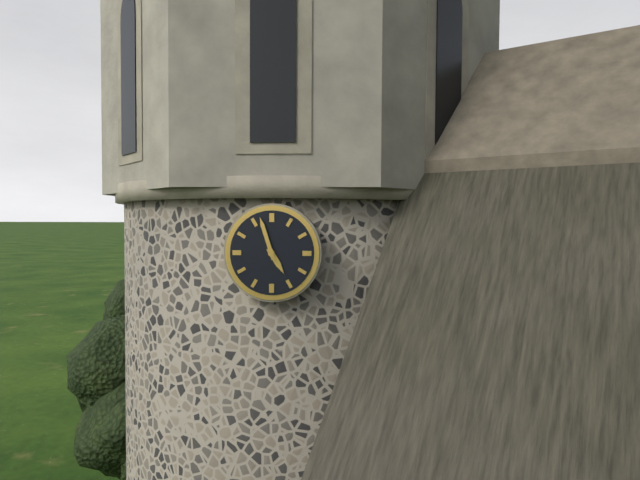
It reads 4:57
